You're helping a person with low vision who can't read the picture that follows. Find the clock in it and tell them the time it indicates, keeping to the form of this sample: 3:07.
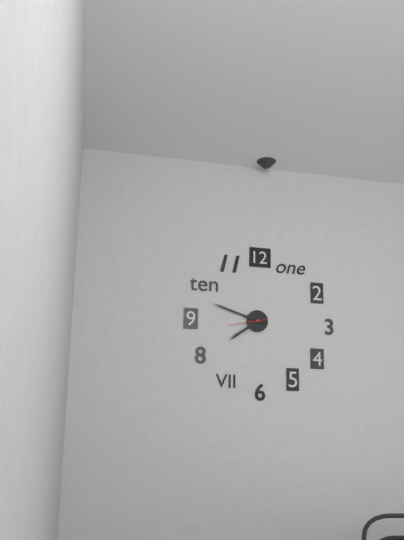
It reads 7:48
